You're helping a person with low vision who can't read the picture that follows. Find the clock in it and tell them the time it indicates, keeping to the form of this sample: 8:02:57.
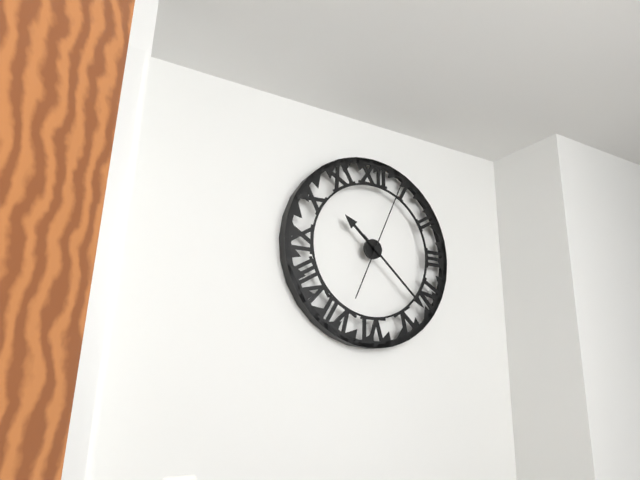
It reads 10:22:04
